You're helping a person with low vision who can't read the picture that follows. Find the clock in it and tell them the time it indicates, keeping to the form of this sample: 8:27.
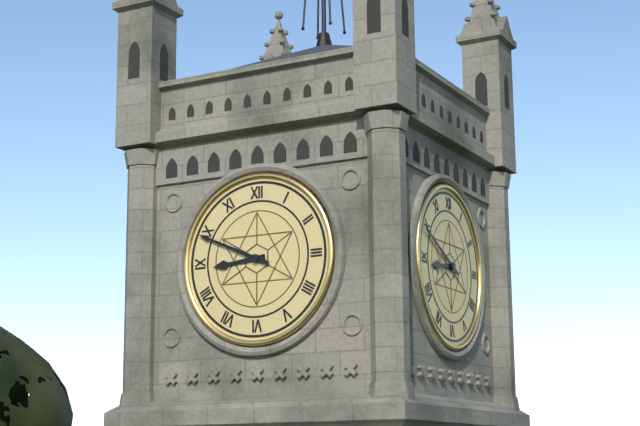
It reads 8:49
